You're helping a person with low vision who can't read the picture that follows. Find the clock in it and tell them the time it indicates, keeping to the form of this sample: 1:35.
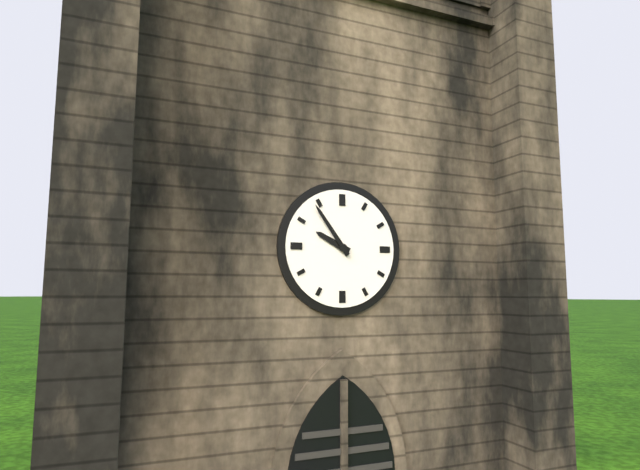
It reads 9:54
